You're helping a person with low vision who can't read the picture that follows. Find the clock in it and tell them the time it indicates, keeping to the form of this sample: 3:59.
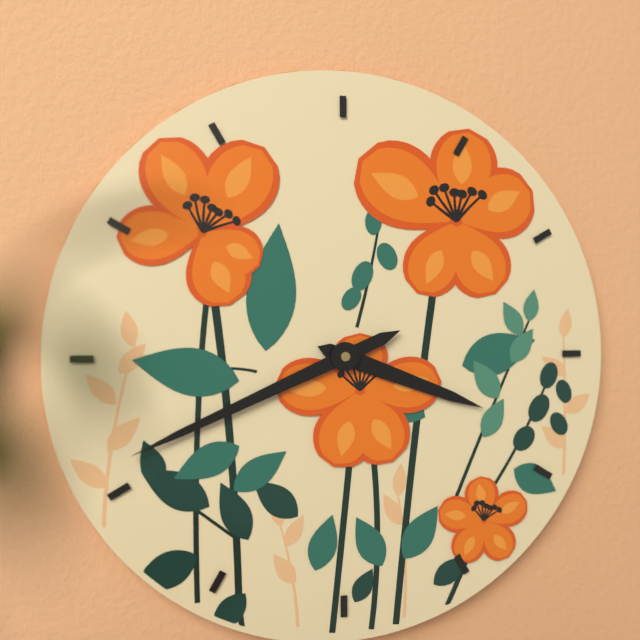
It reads 3:41
